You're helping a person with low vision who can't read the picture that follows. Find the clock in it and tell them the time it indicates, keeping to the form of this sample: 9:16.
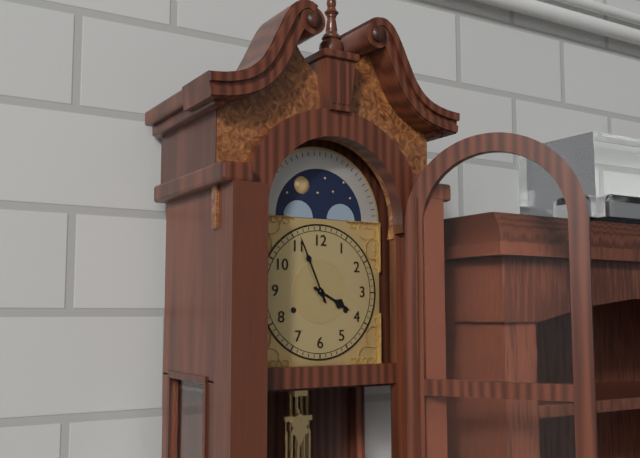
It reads 3:56
